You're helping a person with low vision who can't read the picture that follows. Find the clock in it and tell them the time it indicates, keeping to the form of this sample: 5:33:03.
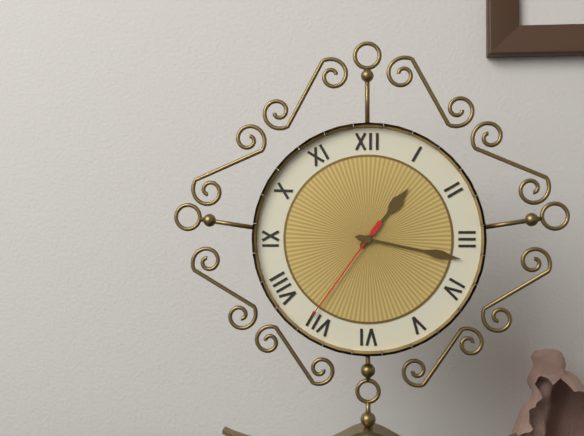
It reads 1:17:36
